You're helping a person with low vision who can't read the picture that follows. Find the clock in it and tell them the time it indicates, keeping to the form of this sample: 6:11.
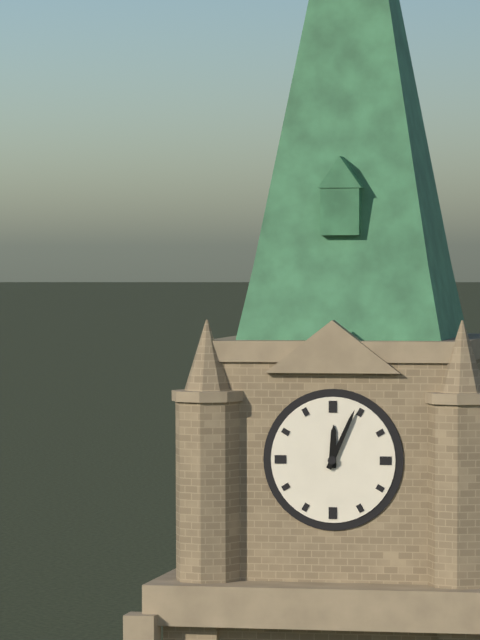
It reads 12:04
